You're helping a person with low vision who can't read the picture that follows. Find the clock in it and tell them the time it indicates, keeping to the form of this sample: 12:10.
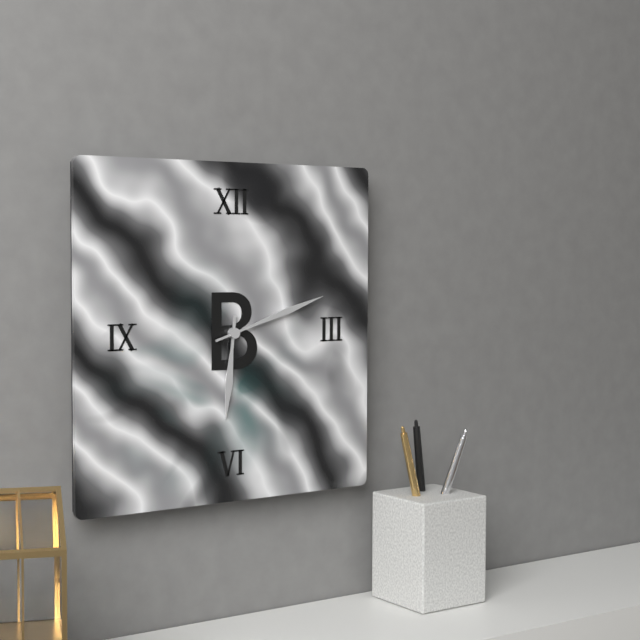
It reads 6:12
